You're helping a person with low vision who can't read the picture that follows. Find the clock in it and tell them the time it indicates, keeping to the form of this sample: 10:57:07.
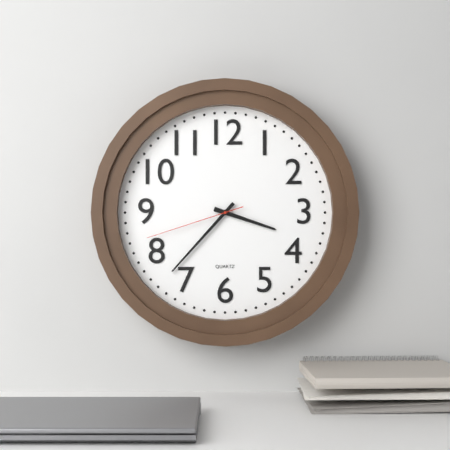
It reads 3:37:42
